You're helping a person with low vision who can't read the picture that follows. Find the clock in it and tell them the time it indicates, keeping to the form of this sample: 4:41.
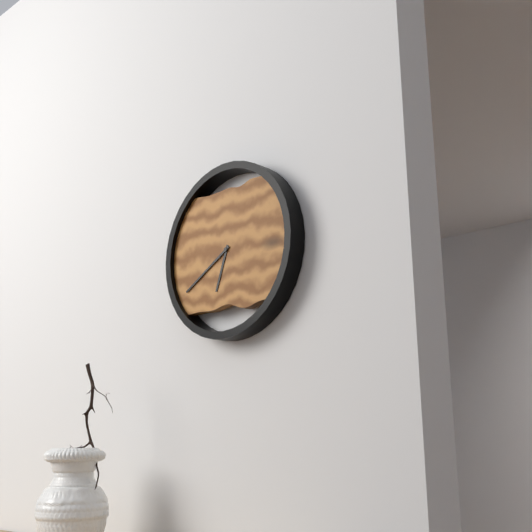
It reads 6:40
